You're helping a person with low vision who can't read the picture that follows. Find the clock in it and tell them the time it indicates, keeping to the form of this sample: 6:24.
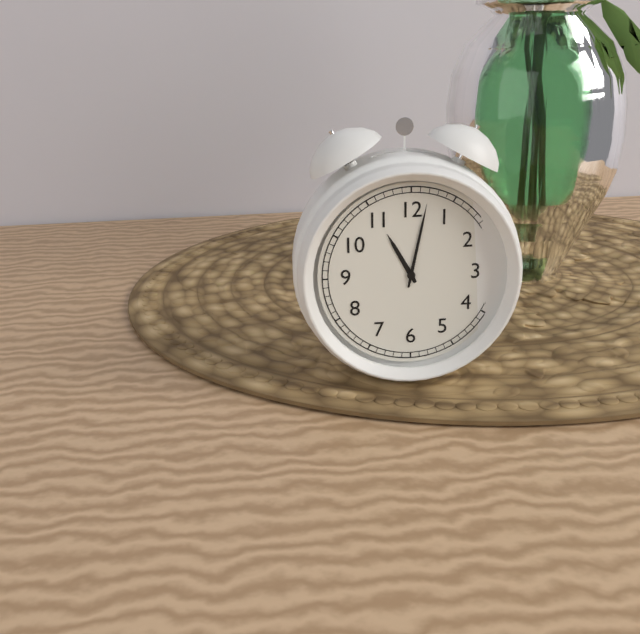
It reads 11:02
